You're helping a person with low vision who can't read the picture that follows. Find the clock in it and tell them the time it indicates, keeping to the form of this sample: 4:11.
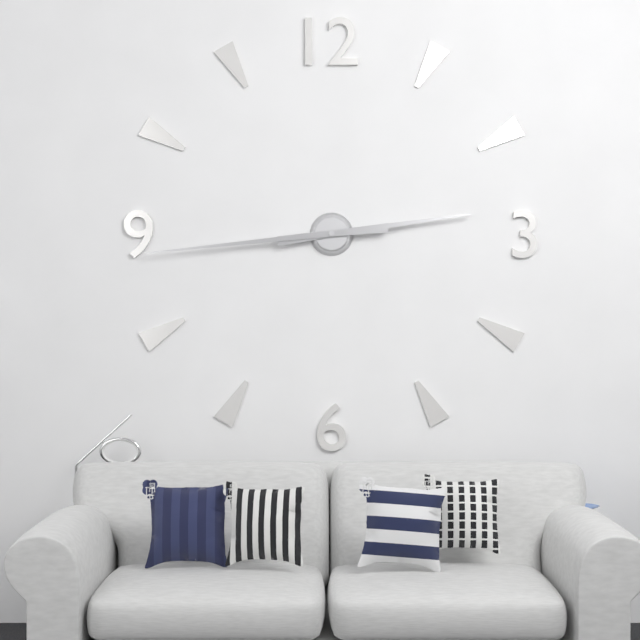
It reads 2:44
